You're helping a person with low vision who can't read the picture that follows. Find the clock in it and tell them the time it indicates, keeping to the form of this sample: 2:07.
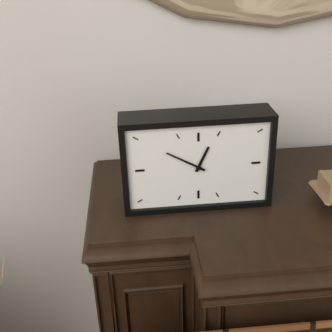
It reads 12:50
